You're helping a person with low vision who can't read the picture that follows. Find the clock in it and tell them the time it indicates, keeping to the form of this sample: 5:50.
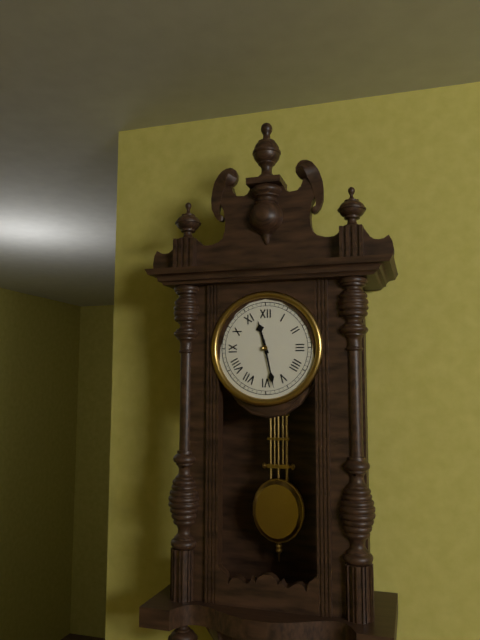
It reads 11:28
